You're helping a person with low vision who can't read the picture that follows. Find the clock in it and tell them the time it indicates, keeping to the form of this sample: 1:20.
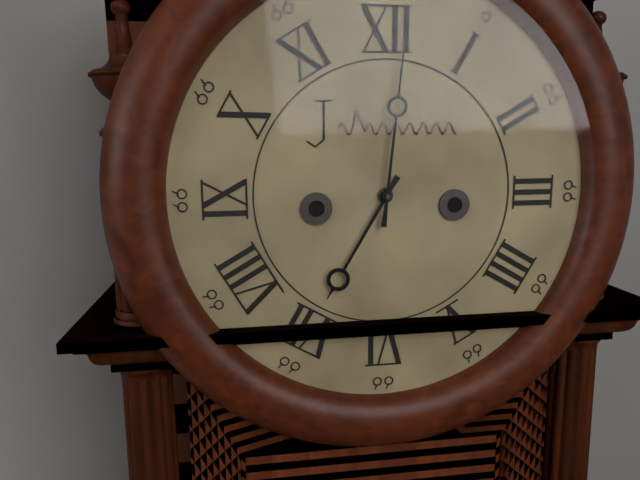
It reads 7:01
